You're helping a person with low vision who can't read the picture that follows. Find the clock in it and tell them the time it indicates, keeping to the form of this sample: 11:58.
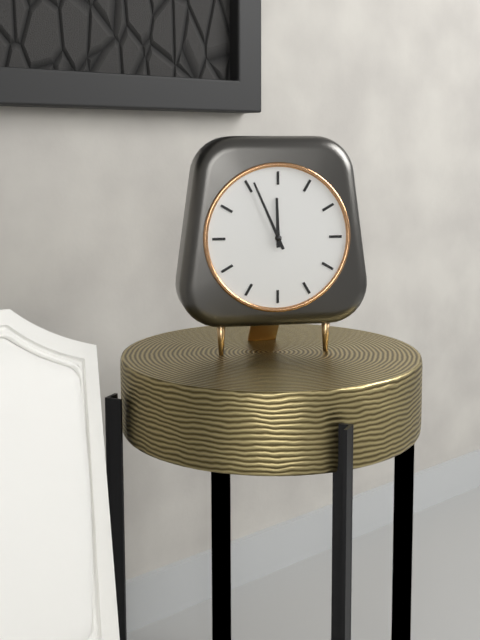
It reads 11:56
